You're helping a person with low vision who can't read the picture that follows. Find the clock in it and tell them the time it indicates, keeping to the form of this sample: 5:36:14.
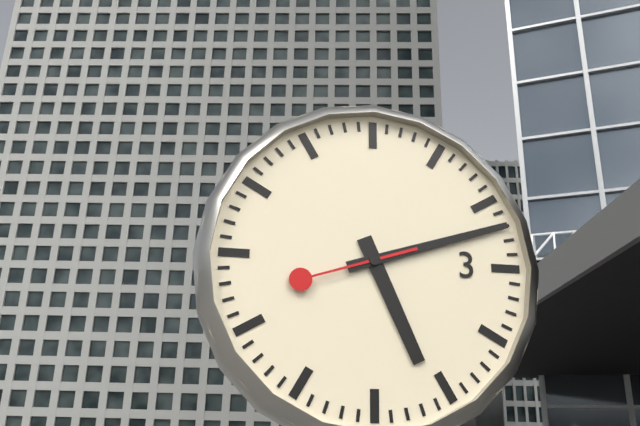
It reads 5:12:42
